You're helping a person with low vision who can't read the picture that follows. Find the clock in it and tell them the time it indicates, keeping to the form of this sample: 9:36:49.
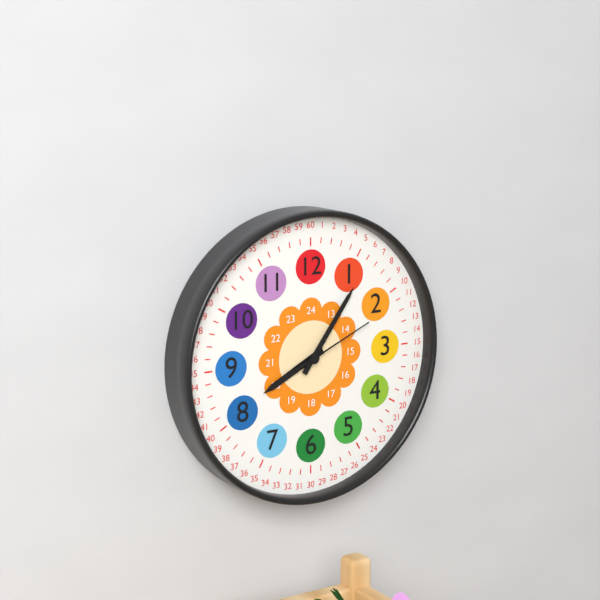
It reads 8:06:11
